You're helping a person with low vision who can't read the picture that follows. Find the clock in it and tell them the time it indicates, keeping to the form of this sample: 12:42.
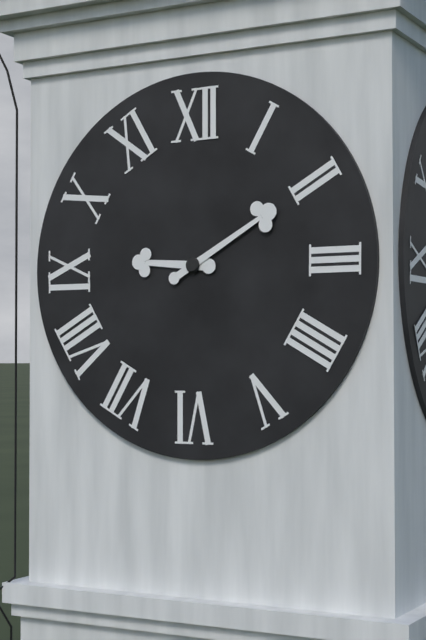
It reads 9:10
